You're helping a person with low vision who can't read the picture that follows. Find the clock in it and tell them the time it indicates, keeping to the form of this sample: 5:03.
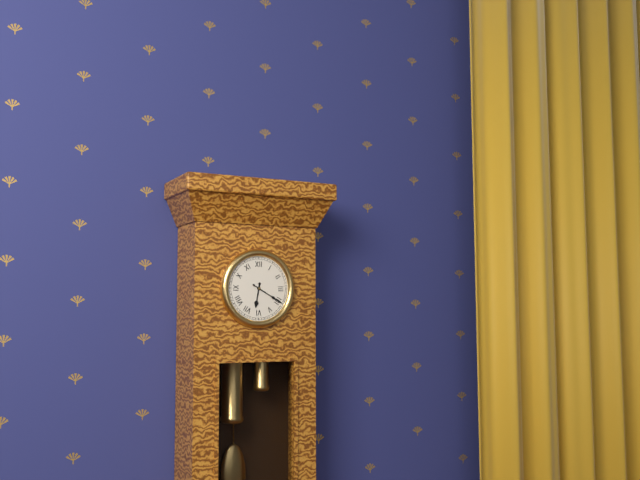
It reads 6:20
